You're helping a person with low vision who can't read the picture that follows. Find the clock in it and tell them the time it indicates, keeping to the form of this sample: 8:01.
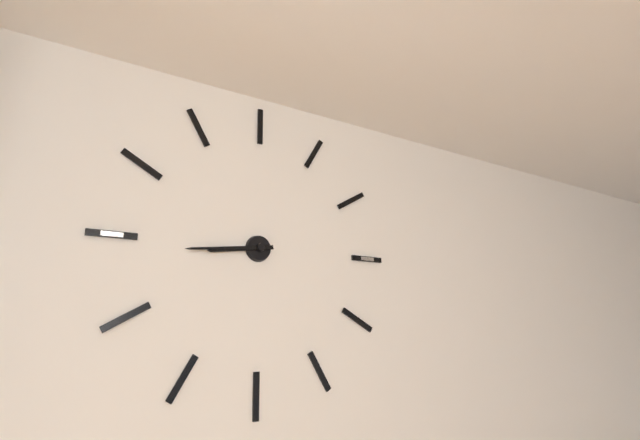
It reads 8:44
